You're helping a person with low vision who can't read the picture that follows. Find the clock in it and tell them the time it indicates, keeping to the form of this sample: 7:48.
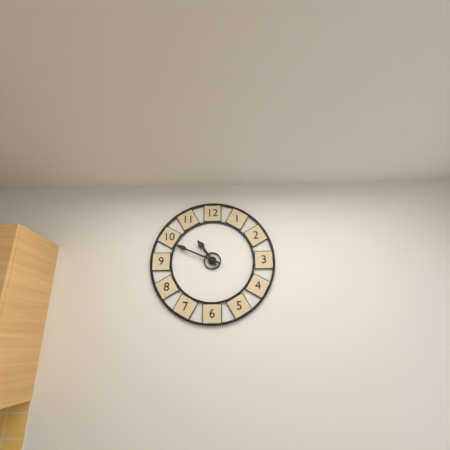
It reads 10:49
